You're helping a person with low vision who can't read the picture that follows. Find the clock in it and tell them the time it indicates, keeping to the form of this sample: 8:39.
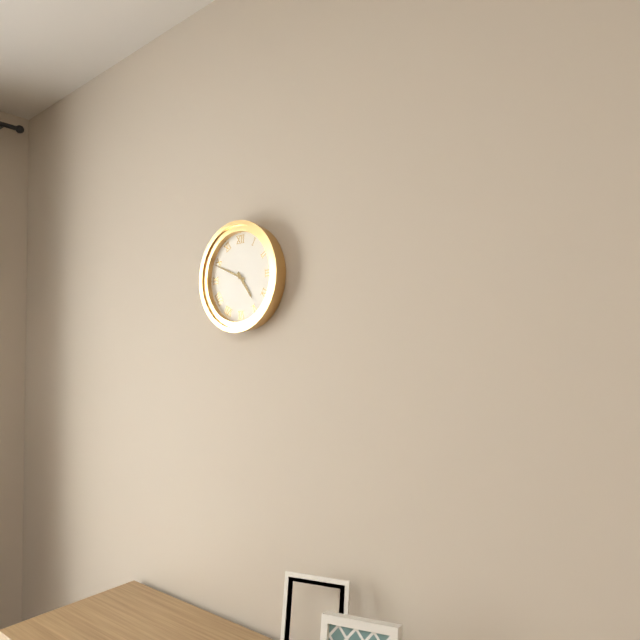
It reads 4:49
